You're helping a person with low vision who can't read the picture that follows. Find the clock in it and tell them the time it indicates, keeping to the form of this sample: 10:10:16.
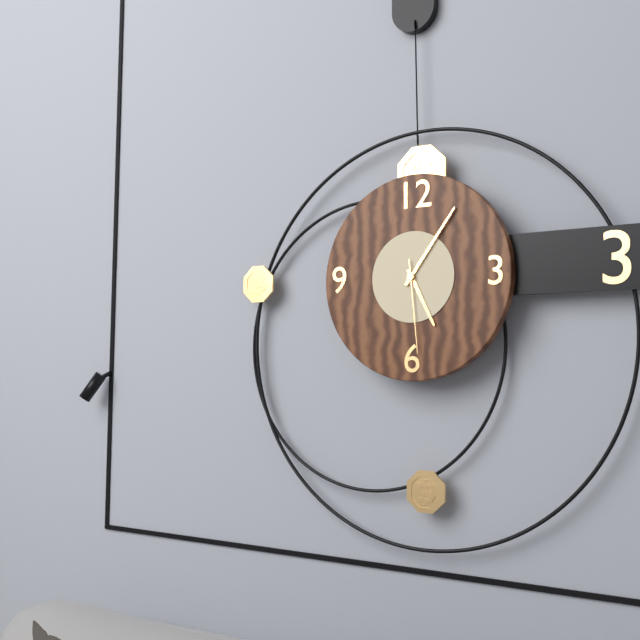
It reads 5:06:29
